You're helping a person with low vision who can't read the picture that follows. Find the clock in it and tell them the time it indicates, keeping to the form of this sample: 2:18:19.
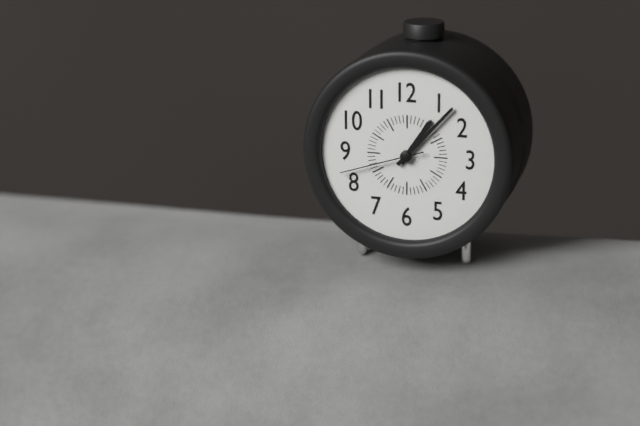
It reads 1:07:42
